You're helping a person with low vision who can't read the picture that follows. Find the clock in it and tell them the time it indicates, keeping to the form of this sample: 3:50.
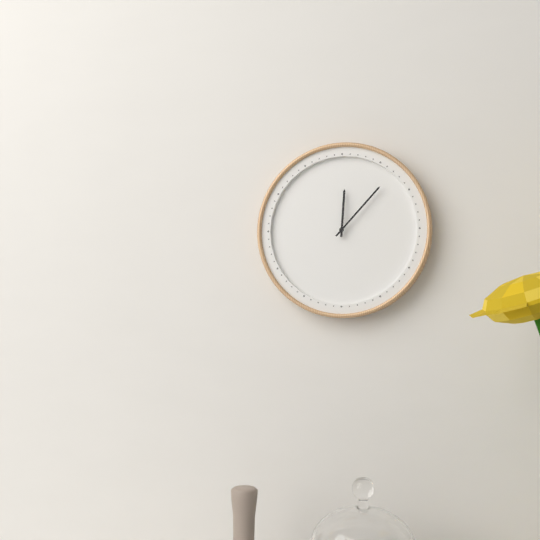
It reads 12:07
